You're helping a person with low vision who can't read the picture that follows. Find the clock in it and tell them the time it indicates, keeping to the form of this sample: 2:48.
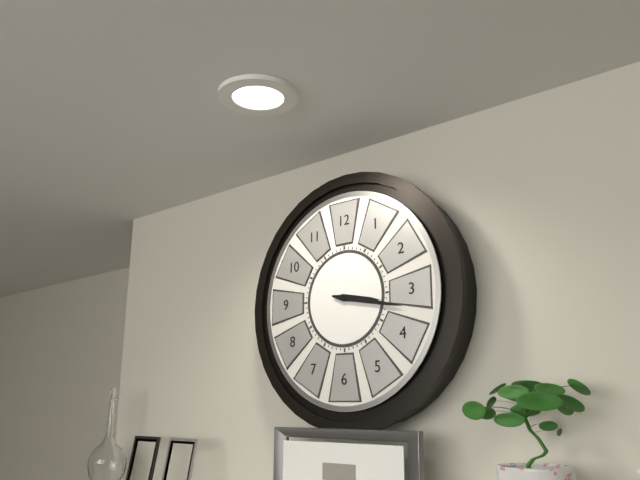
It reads 3:17
